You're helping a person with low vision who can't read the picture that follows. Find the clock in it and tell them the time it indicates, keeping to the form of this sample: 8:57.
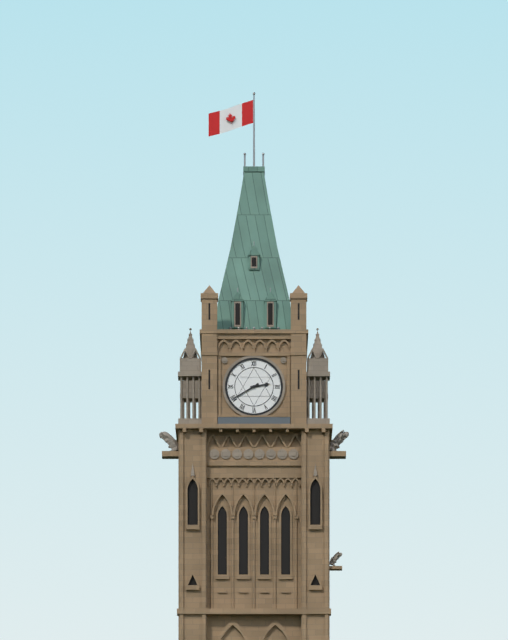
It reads 2:40
